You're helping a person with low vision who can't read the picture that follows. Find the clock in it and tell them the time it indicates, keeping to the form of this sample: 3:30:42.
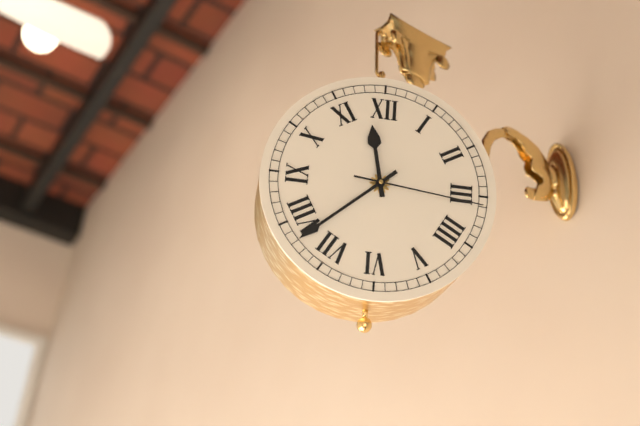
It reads 11:38:16
